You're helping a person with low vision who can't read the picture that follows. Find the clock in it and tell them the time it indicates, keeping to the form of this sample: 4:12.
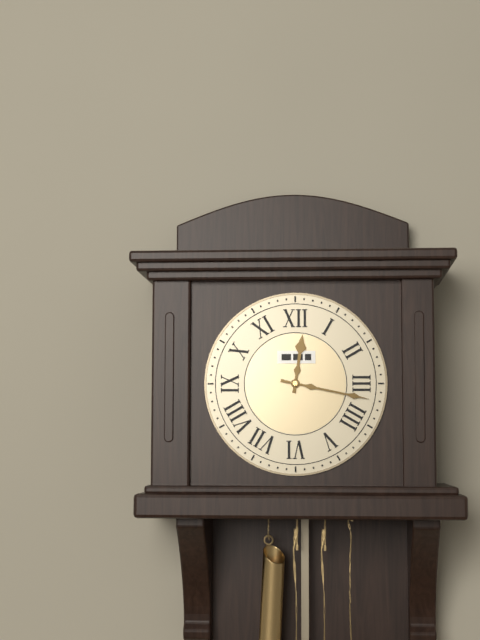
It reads 12:17
